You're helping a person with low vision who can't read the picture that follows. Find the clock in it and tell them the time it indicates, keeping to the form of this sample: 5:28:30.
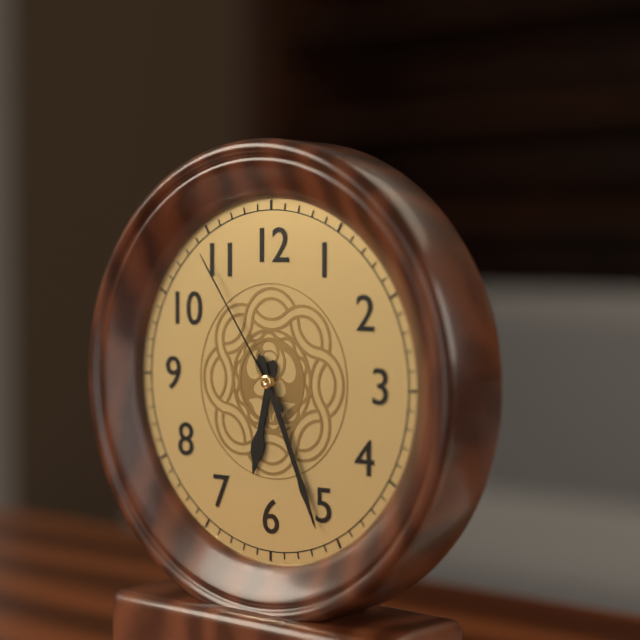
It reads 6:26:54
